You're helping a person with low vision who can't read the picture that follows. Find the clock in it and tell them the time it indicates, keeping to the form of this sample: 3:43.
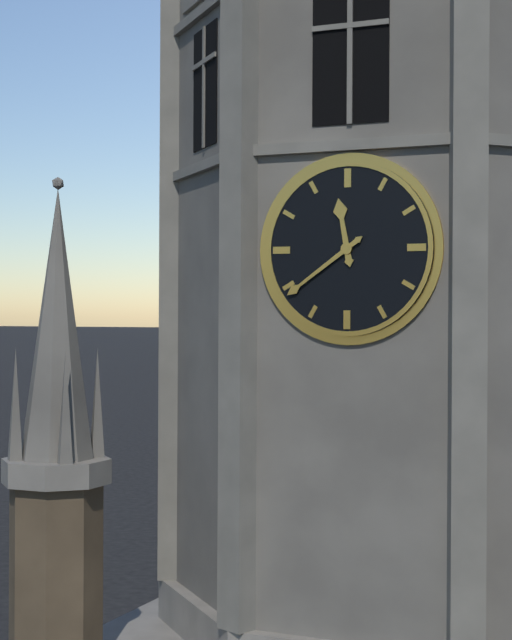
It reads 11:39
